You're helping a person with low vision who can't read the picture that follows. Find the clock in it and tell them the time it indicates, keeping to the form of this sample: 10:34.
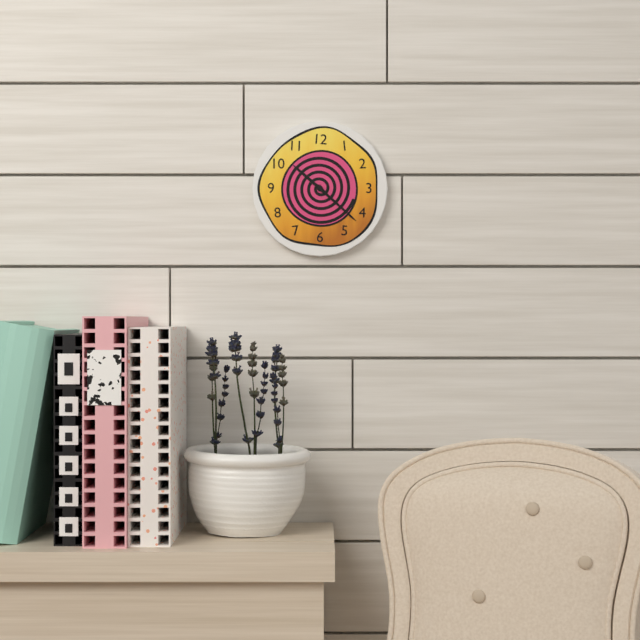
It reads 10:22
